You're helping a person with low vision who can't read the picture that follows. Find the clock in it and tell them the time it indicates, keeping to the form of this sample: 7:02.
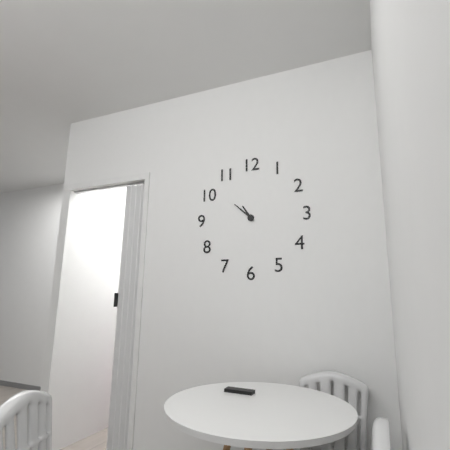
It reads 10:52
